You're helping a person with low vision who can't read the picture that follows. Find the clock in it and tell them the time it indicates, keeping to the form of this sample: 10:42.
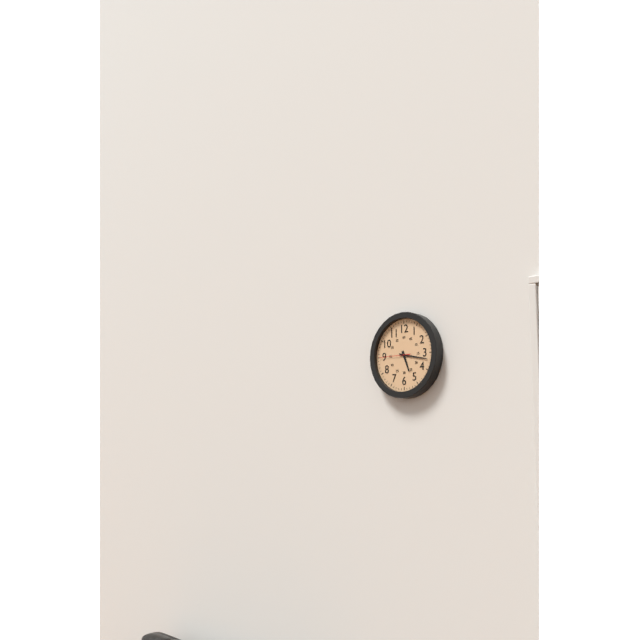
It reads 5:17
